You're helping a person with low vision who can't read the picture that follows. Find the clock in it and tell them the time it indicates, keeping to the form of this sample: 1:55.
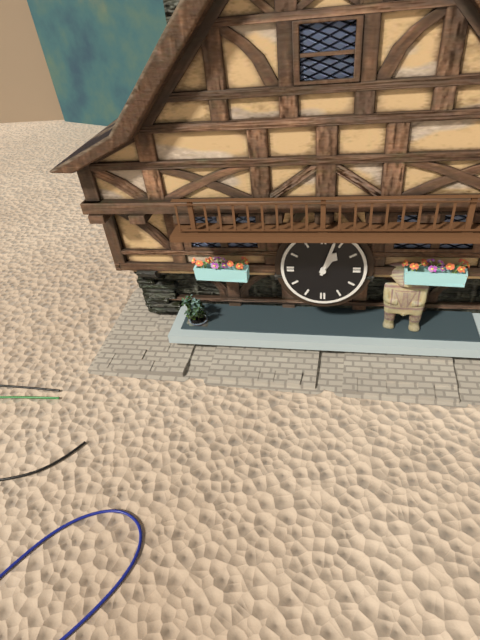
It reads 1:03
